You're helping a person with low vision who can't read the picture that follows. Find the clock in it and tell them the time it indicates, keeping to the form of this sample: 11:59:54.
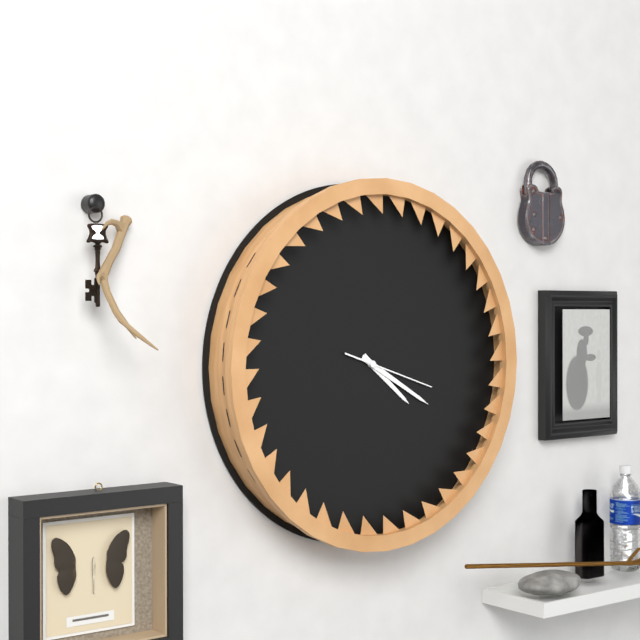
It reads 4:20:18
